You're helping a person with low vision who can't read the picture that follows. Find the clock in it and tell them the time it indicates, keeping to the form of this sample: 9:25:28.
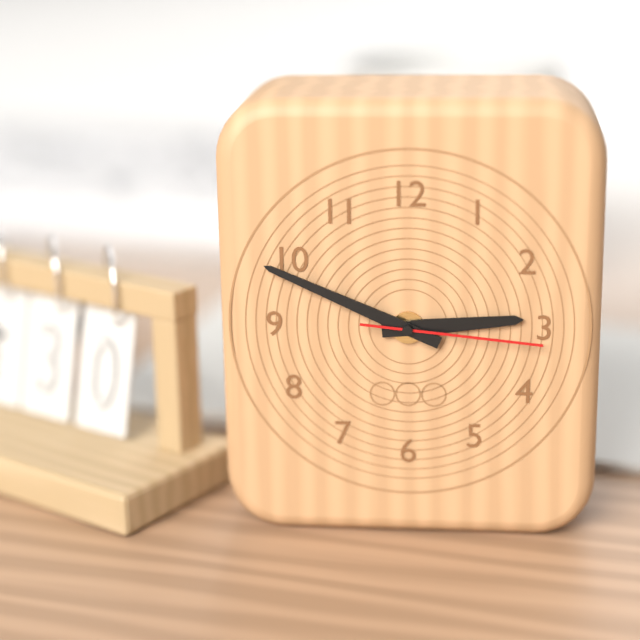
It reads 2:49:16
